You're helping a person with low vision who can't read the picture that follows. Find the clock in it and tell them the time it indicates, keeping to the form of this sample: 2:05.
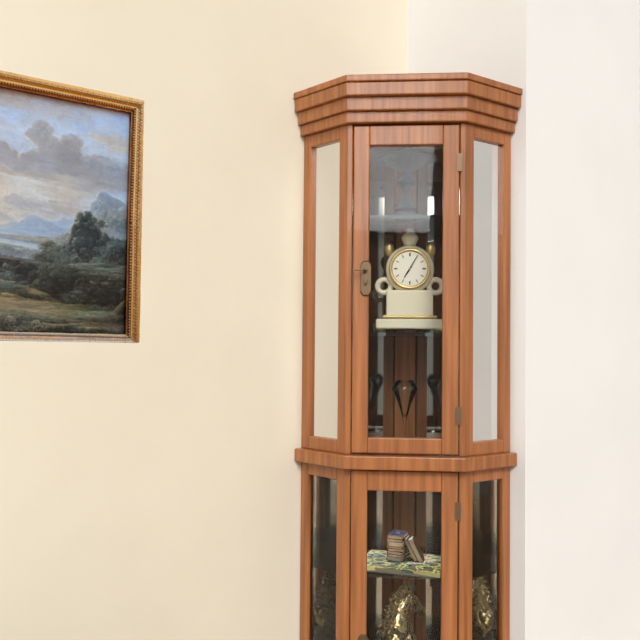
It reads 7:05
